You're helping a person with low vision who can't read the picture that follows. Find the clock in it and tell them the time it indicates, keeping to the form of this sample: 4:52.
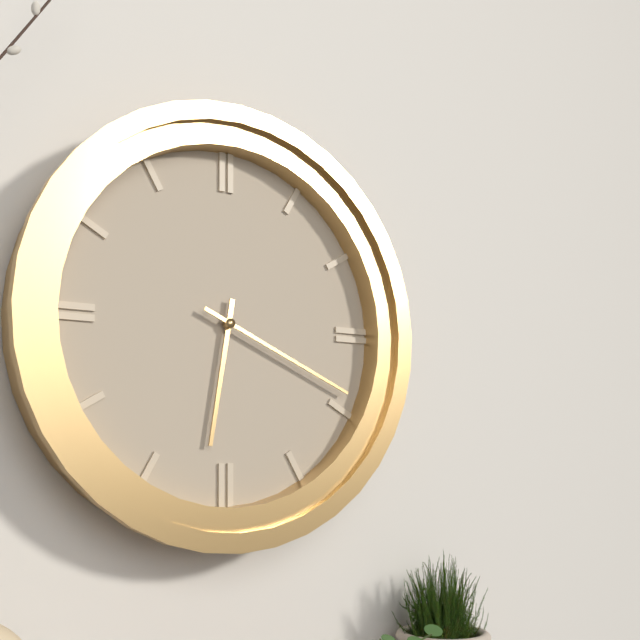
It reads 6:19
